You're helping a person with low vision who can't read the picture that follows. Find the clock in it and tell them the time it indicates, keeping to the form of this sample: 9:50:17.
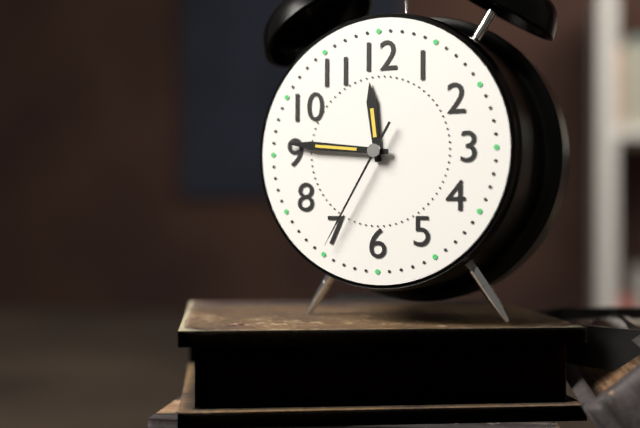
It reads 11:46:35
